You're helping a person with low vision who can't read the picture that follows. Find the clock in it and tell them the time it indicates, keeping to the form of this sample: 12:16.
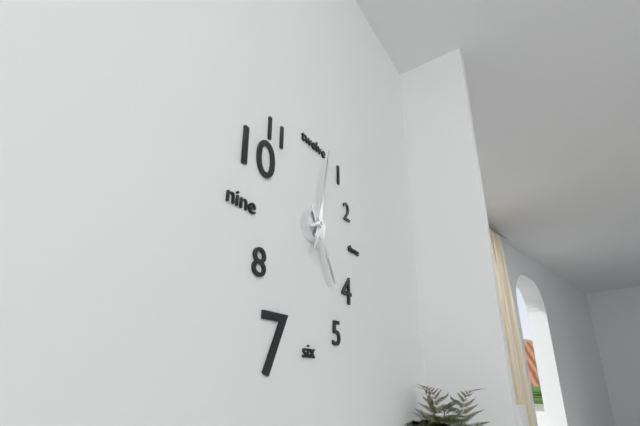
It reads 5:02
